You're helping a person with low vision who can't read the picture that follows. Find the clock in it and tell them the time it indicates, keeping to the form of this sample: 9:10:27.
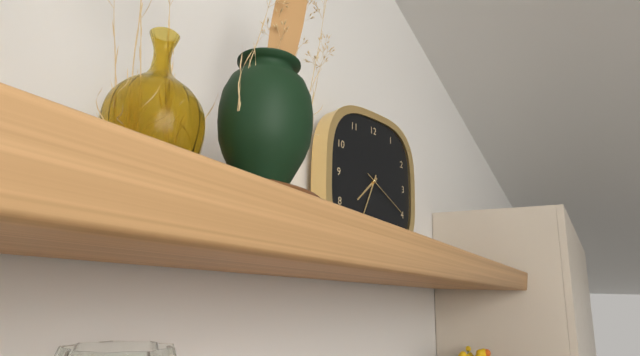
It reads 7:34:20
